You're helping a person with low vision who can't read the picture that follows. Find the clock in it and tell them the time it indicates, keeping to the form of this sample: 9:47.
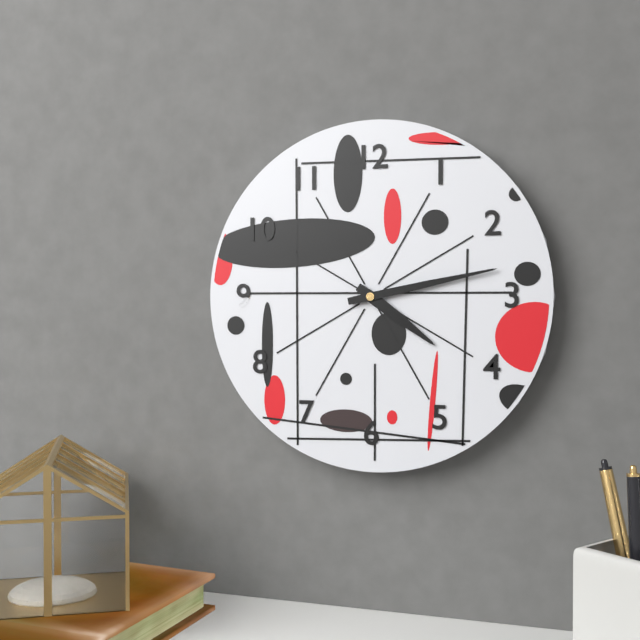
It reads 4:13
